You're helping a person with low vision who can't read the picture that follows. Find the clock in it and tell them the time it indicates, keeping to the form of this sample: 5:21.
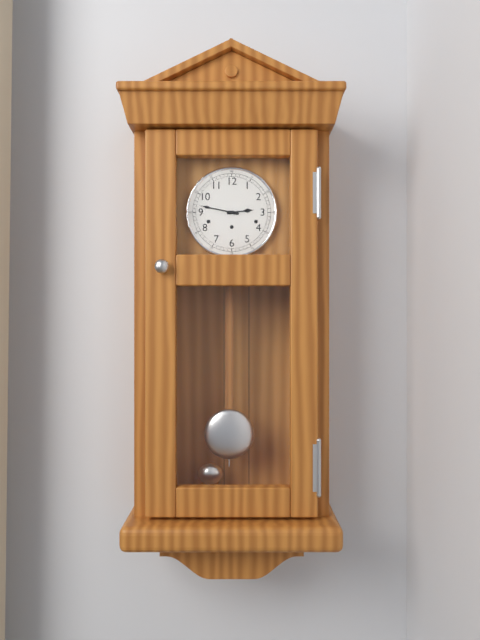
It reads 2:47
